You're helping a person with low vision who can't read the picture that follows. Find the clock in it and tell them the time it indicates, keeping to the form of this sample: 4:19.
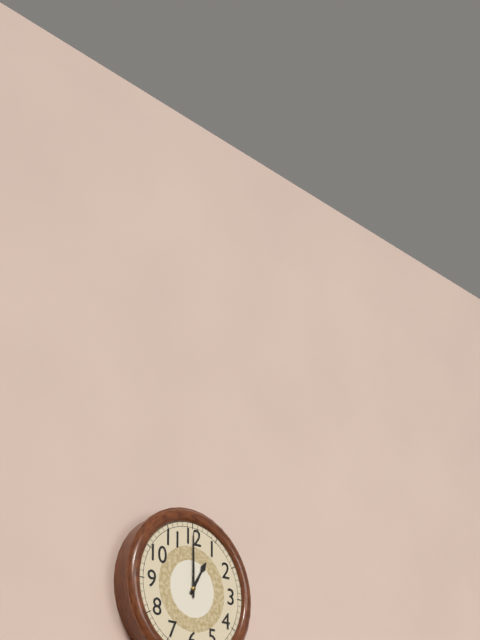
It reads 1:00
